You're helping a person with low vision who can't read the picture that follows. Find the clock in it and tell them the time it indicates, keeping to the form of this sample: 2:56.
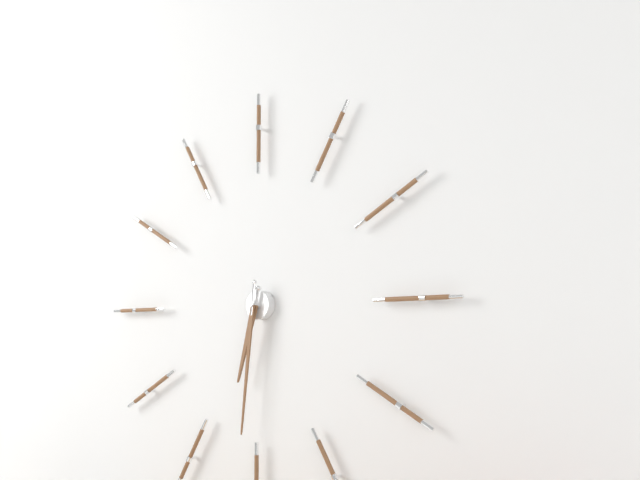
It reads 6:31
